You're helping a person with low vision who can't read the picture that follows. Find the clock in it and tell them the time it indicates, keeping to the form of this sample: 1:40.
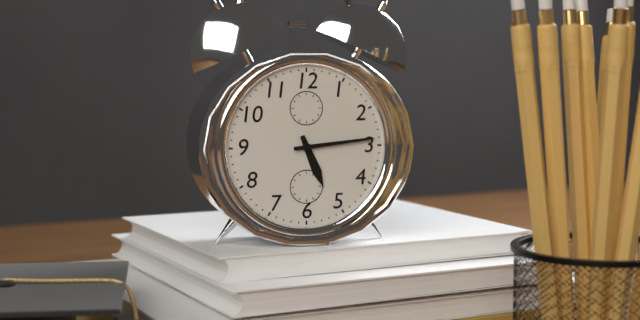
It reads 5:14
